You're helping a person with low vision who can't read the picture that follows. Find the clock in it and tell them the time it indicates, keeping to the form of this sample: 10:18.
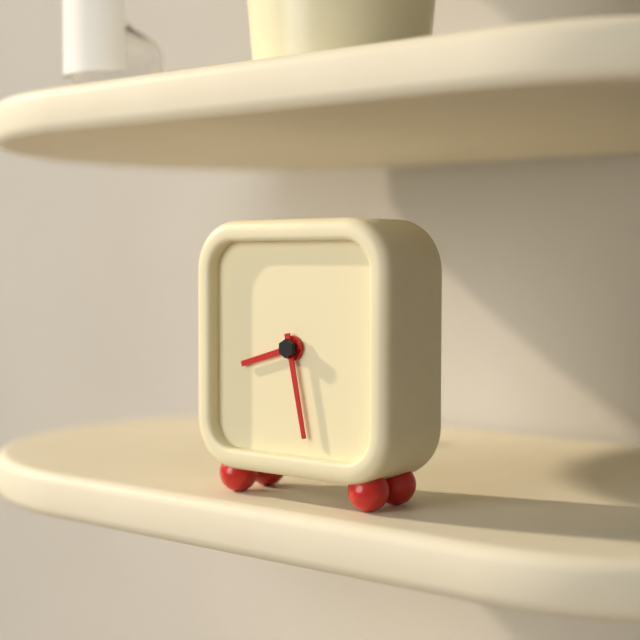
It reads 8:28
